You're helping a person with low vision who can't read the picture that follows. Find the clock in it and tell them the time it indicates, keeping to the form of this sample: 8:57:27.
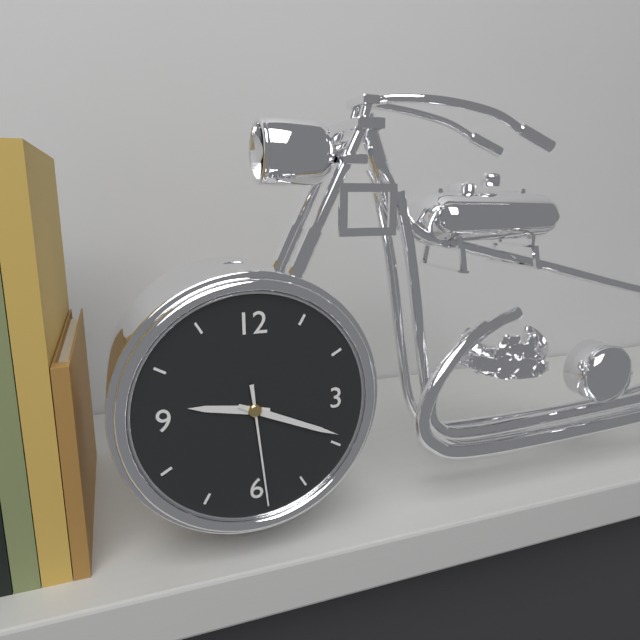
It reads 9:19:29
